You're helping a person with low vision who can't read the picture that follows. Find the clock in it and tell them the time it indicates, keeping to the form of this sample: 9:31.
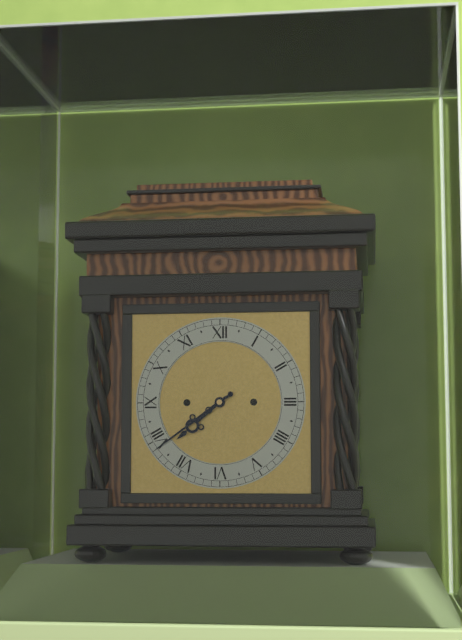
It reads 7:39
